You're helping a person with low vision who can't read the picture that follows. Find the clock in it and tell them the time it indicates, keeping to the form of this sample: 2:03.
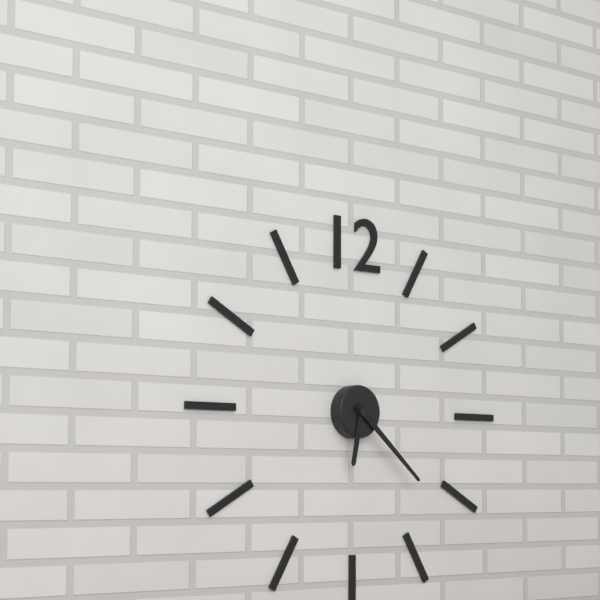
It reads 6:22
